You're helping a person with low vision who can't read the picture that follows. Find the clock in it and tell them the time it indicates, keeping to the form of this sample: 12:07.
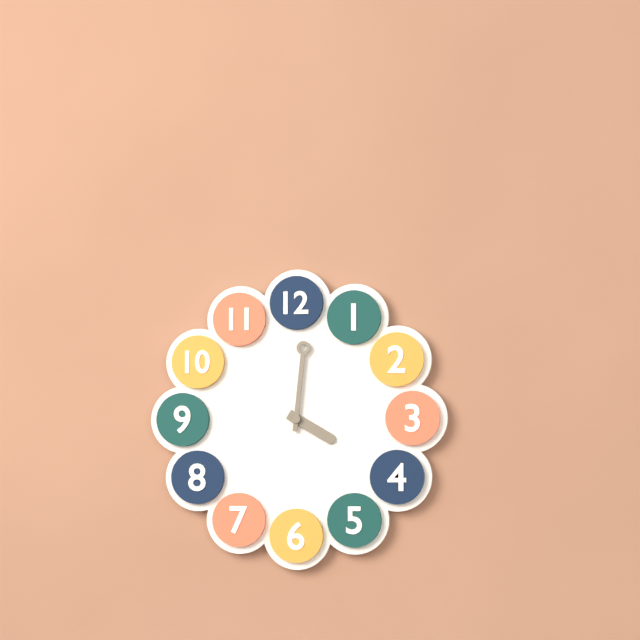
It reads 4:01
